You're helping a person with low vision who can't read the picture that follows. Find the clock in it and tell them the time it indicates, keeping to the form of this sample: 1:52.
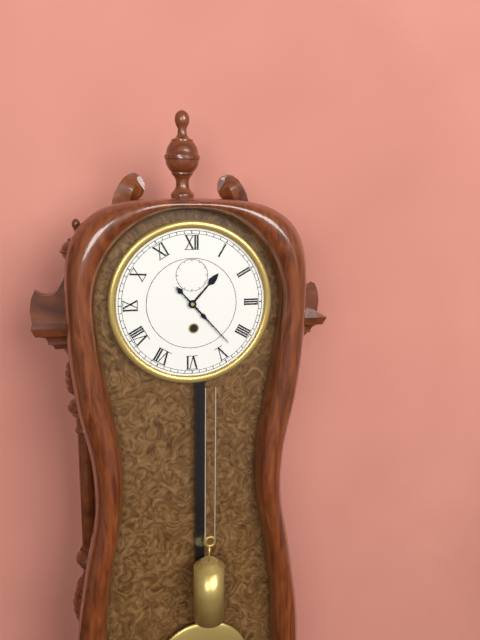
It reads 1:23
